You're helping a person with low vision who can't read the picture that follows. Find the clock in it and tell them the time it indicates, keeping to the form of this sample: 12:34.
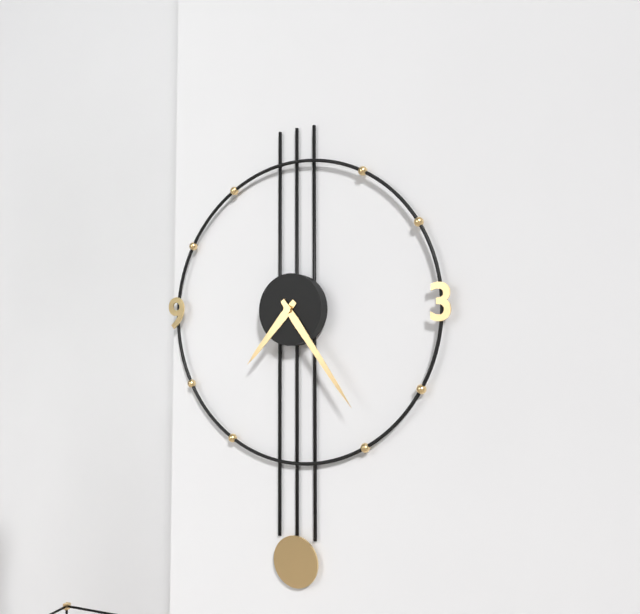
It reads 7:24
